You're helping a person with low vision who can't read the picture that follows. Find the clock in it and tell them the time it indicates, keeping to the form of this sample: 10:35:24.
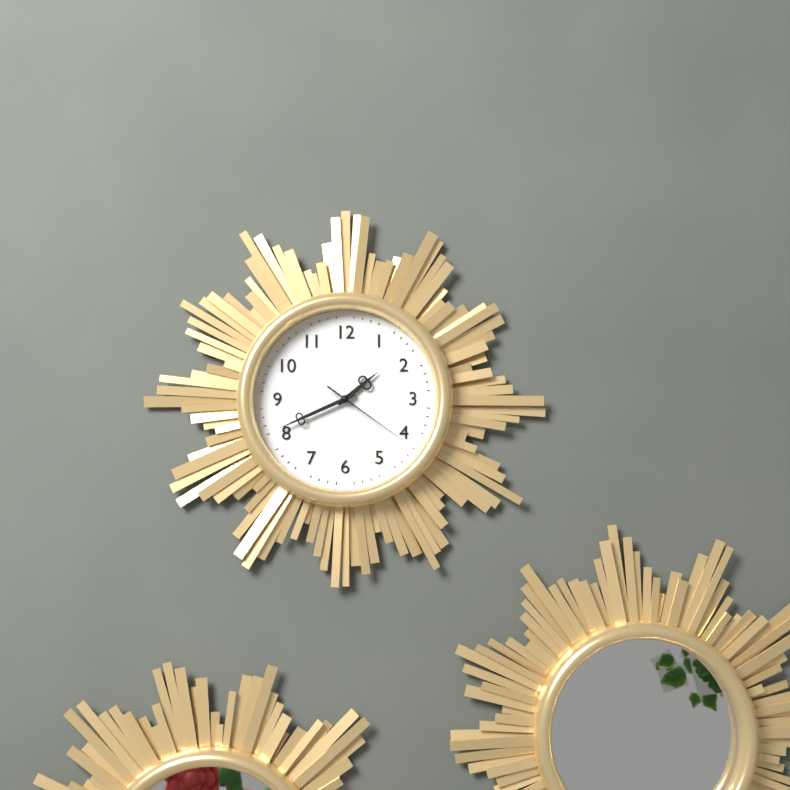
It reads 1:41:21
